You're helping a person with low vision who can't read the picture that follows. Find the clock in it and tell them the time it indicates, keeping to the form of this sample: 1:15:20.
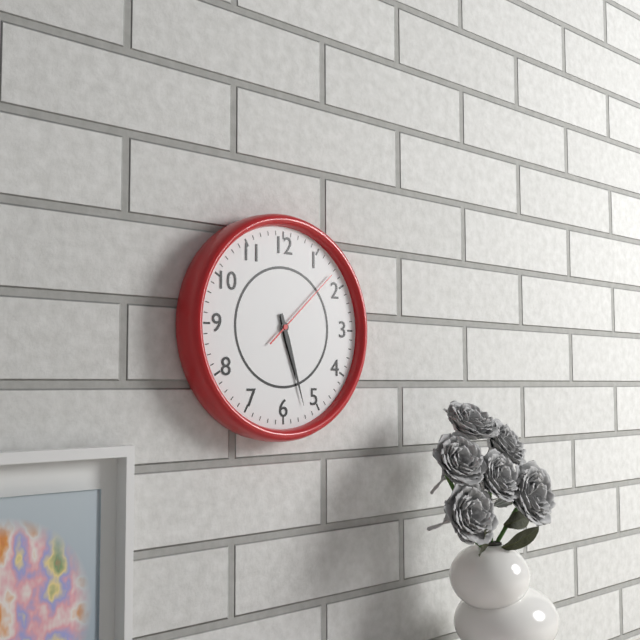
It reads 5:27:08
